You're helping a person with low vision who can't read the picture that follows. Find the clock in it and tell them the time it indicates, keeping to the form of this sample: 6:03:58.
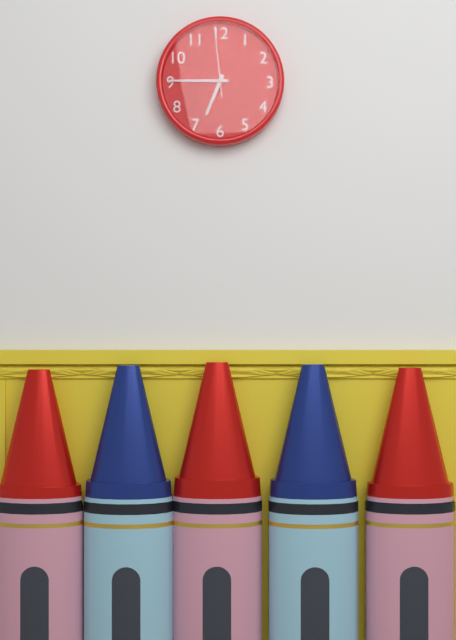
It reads 6:45:59
